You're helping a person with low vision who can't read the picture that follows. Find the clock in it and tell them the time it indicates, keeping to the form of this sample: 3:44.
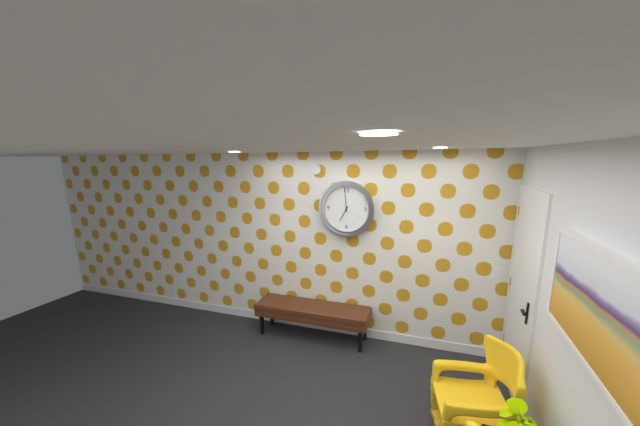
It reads 6:59
